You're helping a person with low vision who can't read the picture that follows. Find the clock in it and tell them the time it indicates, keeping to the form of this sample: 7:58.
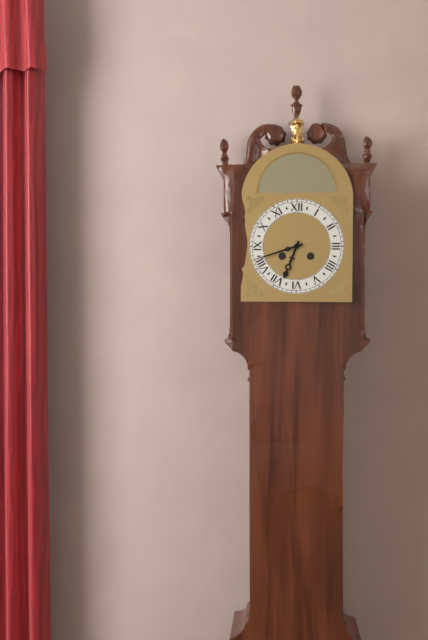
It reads 6:42
